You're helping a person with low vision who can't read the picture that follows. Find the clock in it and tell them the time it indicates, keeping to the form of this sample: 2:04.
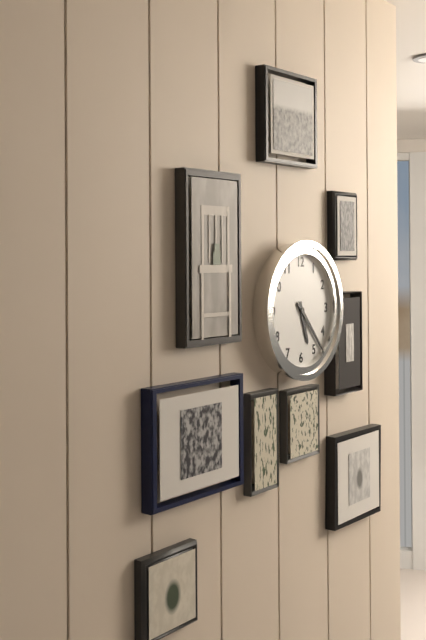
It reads 5:23
